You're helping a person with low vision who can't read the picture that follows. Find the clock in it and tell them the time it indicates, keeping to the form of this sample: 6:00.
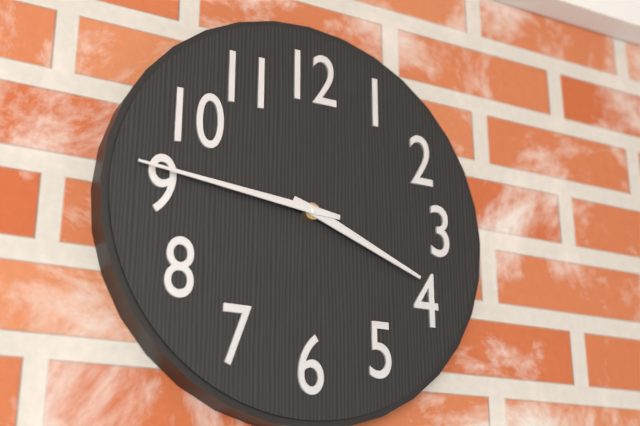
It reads 3:46
